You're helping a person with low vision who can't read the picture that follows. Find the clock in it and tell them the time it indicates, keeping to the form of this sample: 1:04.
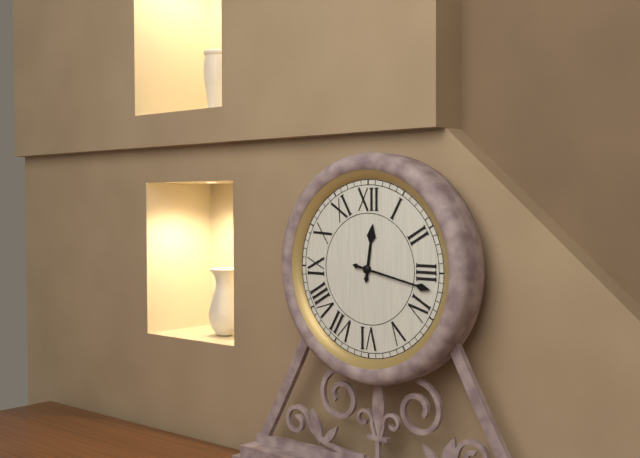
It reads 12:17
